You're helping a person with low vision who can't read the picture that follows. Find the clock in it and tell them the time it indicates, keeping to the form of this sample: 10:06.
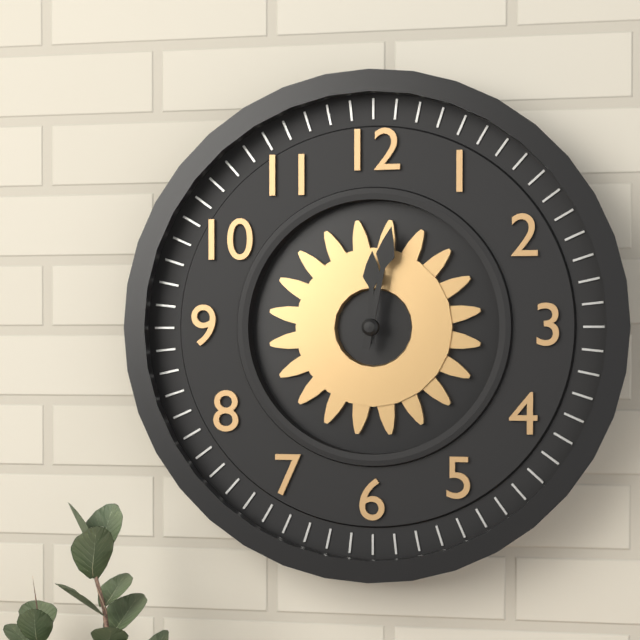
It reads 12:02
